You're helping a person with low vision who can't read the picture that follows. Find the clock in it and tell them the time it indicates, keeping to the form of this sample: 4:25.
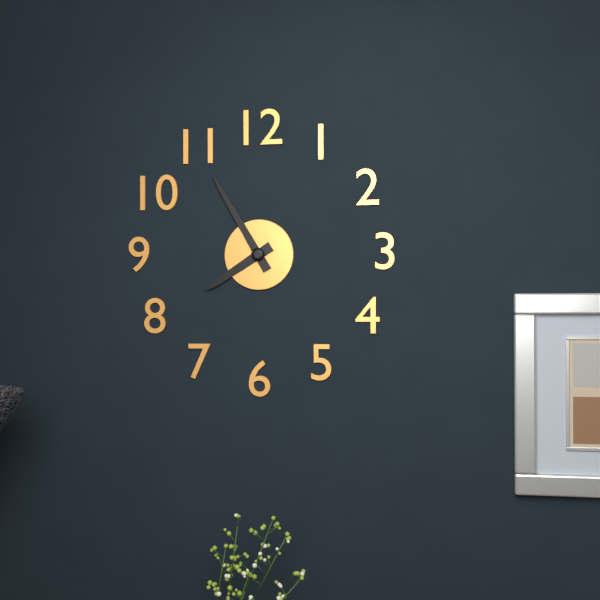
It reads 7:55
